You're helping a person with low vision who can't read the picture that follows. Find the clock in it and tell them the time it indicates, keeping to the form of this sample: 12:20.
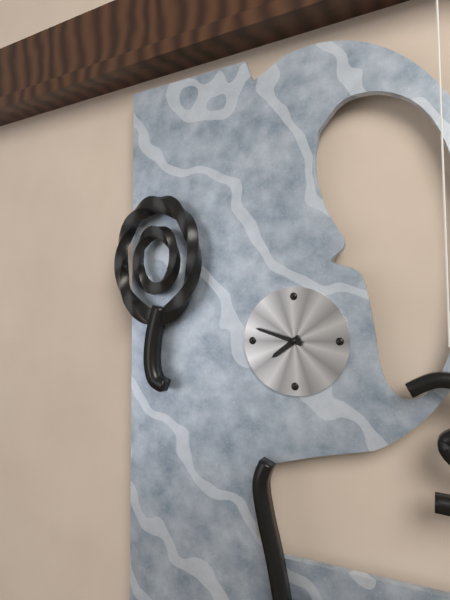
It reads 7:48
